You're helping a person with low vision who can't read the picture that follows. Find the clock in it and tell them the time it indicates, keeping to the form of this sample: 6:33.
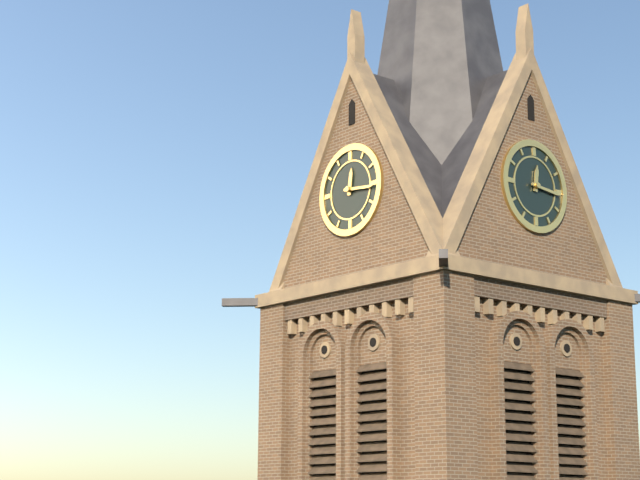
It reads 12:16
